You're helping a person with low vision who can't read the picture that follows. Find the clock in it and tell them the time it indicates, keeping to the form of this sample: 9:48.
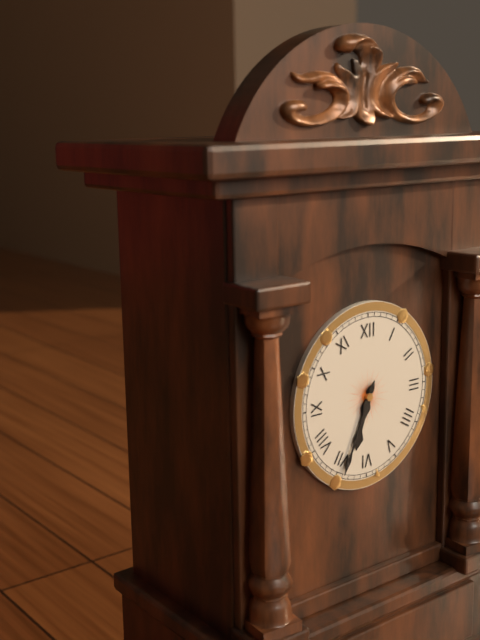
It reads 6:34
